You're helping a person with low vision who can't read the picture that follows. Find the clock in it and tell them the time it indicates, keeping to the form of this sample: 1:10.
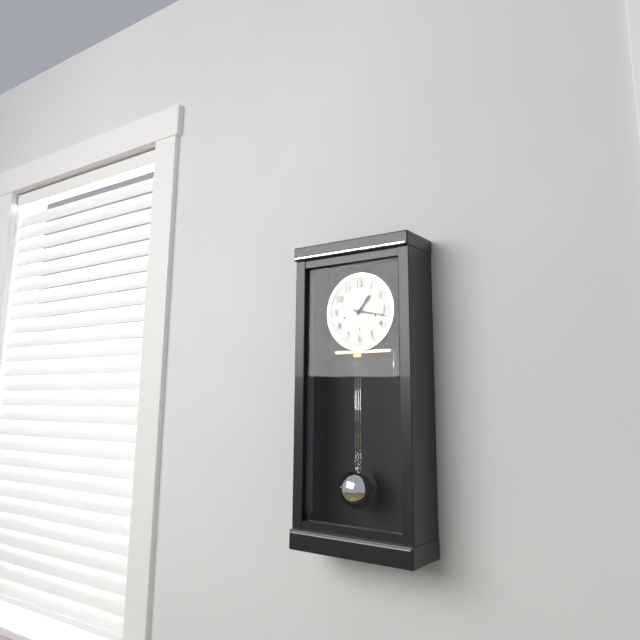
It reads 1:17
